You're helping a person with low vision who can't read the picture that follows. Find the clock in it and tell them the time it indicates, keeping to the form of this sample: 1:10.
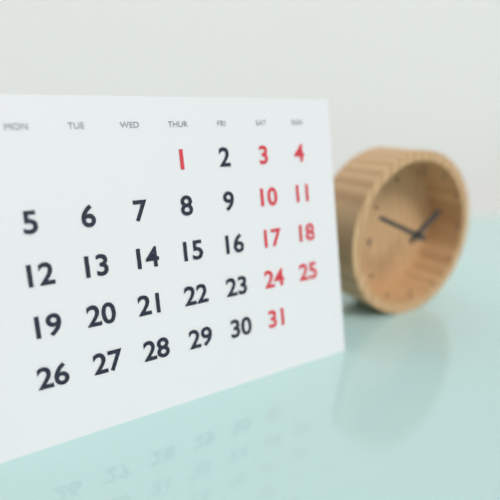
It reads 1:49
